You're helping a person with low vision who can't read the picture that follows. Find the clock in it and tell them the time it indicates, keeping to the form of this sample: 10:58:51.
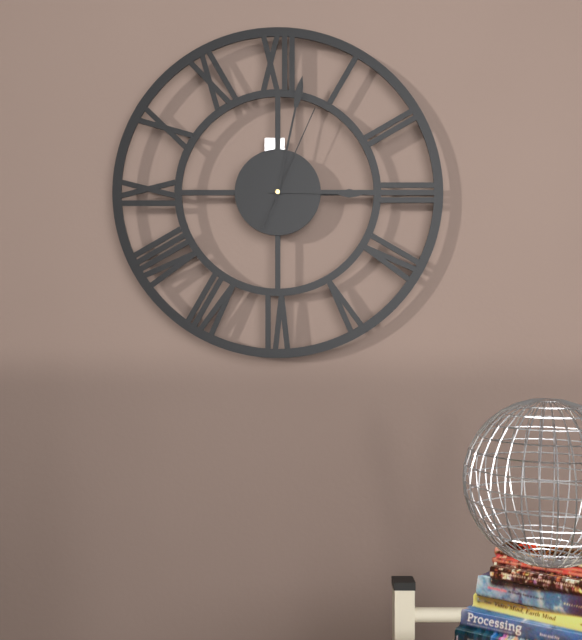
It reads 3:02:04
